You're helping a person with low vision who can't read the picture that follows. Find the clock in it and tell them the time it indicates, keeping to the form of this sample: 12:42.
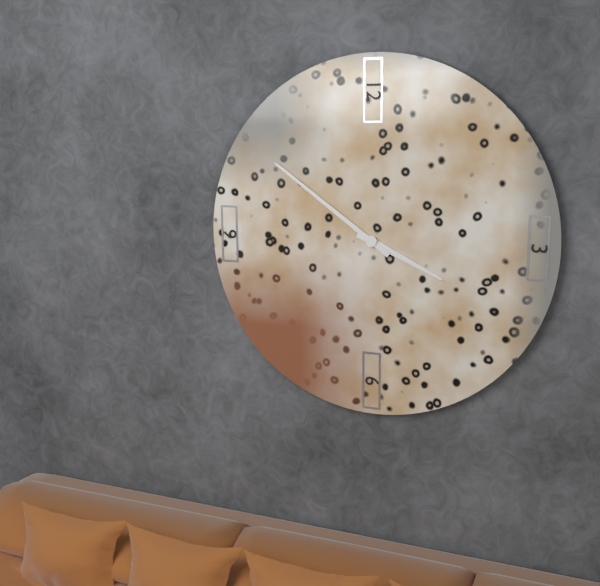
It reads 3:51
